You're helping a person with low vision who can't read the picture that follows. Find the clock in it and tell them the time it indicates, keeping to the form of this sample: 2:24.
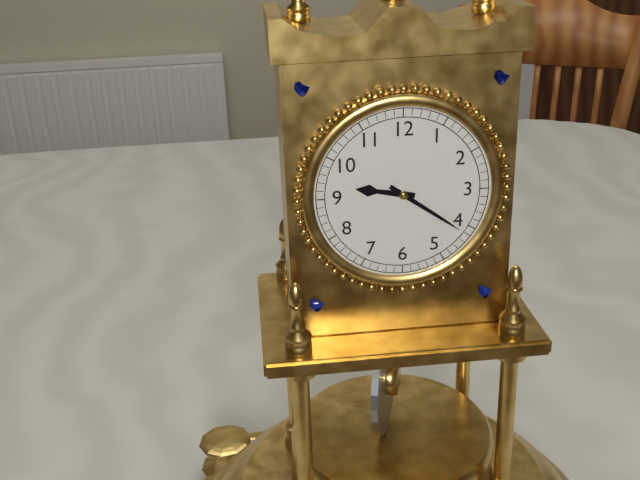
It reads 9:21
